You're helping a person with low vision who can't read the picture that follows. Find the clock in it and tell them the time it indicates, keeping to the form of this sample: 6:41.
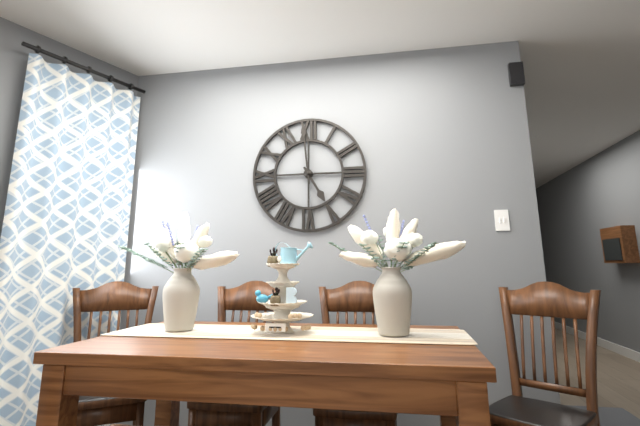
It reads 4:59
